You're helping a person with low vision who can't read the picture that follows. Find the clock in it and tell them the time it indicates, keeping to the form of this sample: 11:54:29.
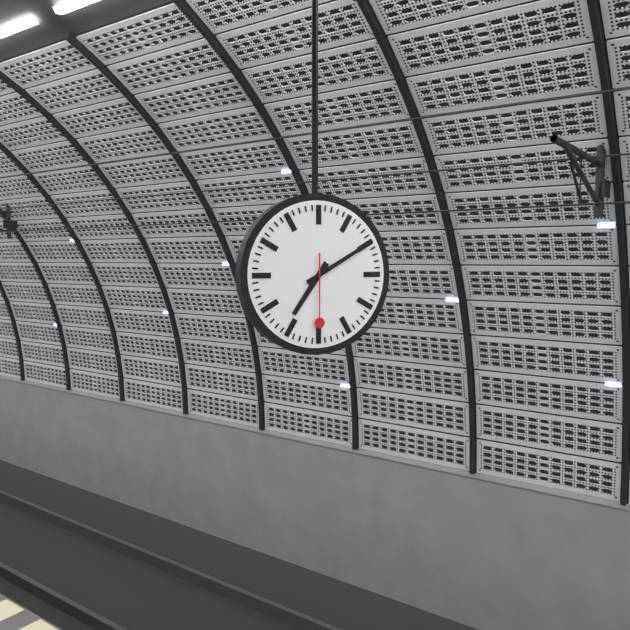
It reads 7:10:30
